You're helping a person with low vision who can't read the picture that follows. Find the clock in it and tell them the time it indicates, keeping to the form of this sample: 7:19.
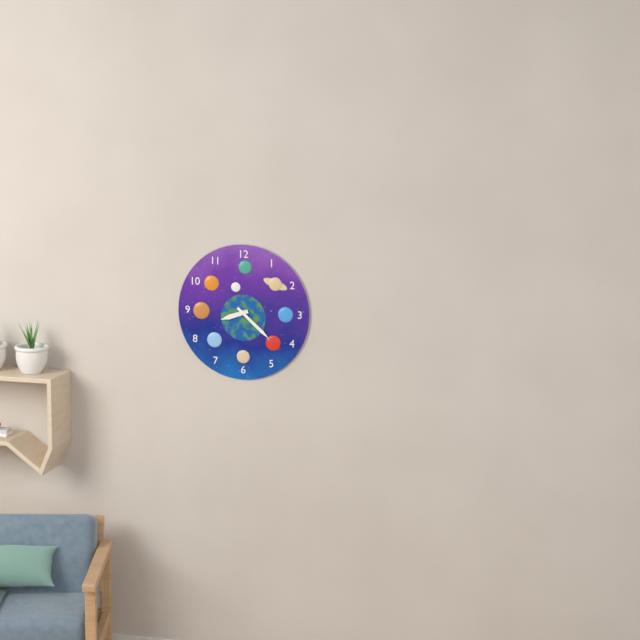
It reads 8:22
